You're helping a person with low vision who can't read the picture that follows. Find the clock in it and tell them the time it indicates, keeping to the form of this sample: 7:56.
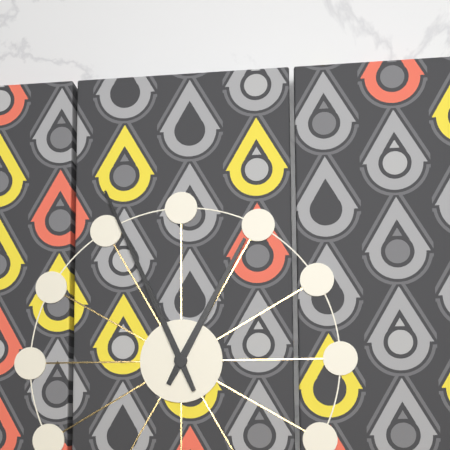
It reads 12:56
